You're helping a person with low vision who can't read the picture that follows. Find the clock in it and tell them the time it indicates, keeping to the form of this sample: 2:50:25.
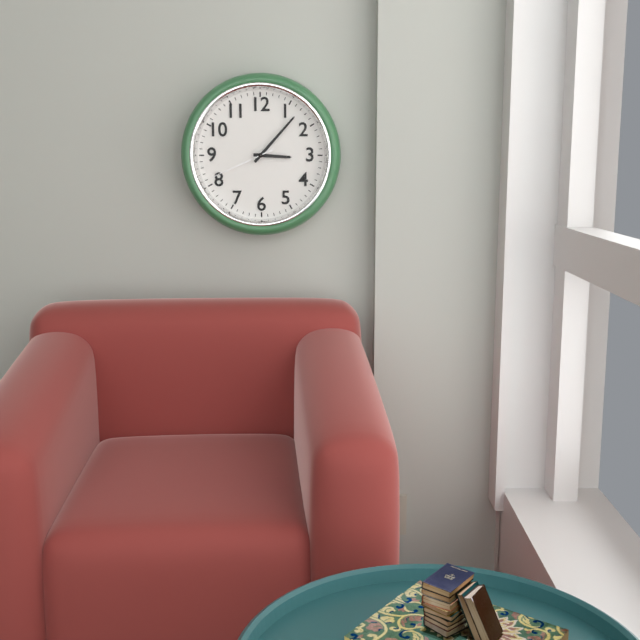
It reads 3:07:41
